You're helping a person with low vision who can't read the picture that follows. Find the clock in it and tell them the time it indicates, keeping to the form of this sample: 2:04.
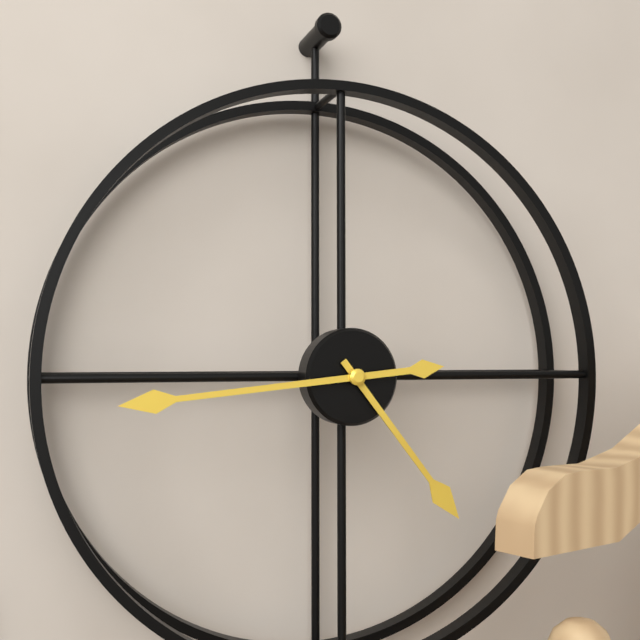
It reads 4:44
